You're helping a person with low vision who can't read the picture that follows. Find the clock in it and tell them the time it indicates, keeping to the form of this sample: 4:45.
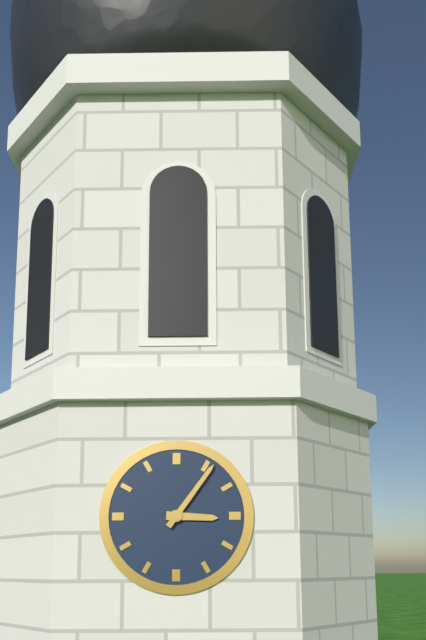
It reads 3:06
